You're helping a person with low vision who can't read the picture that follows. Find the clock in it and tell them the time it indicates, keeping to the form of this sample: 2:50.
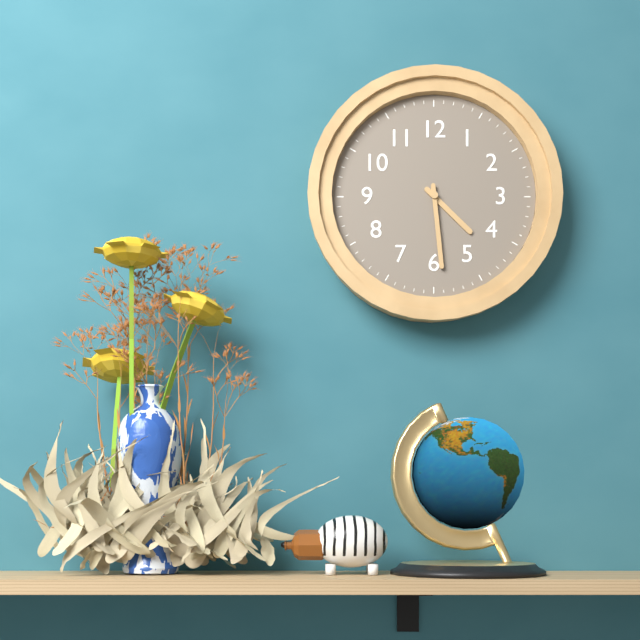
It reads 4:29
